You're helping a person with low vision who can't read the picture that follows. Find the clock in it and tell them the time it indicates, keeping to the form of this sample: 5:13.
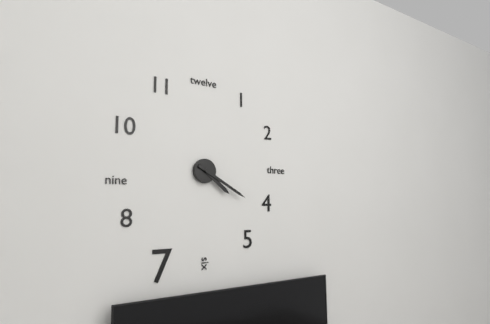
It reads 4:20
